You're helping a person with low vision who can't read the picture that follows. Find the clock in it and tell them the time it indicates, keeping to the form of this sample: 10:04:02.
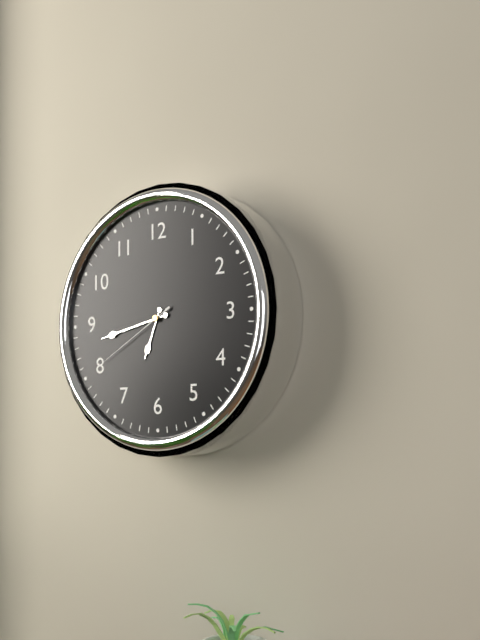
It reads 6:43:40
